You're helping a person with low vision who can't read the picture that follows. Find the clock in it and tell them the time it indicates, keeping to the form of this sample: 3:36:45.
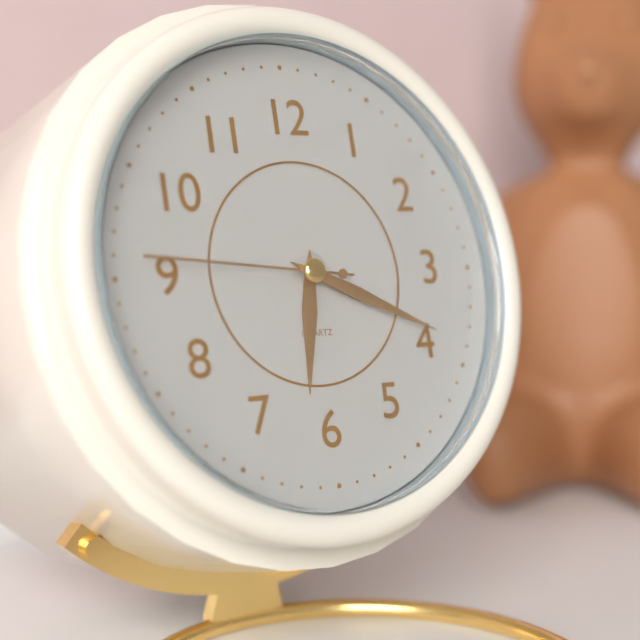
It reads 6:19:46
